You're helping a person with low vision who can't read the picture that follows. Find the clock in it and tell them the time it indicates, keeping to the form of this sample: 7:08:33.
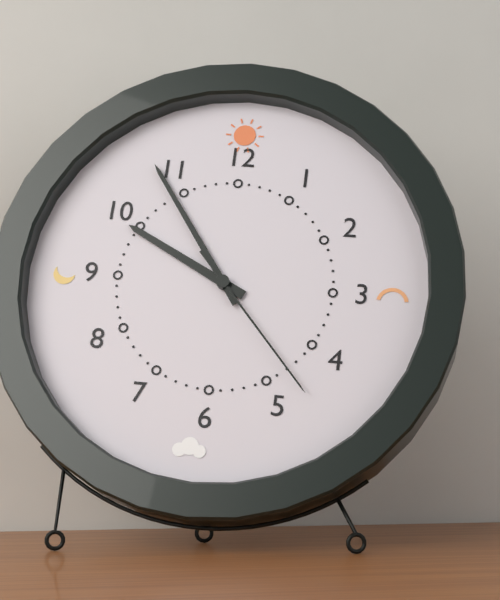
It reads 9:54:23
